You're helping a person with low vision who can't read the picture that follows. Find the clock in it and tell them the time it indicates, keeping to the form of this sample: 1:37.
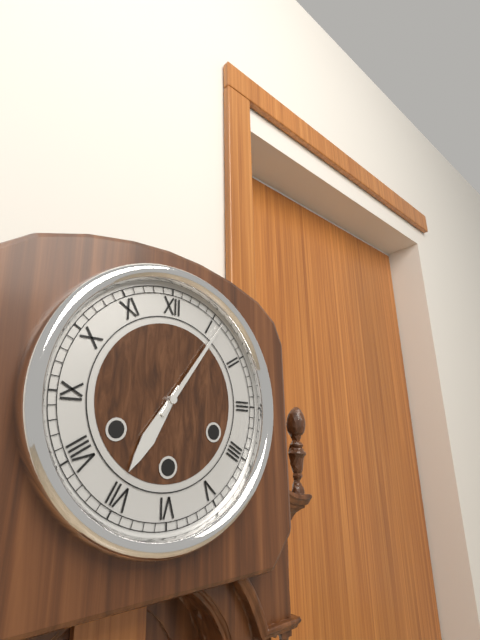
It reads 7:06
